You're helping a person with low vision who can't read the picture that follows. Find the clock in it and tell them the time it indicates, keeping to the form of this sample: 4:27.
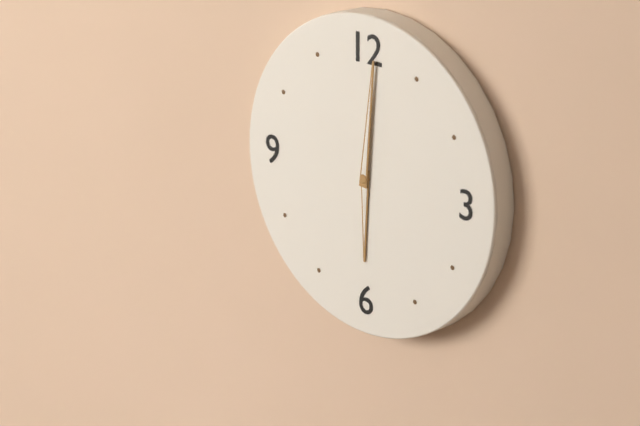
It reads 6:01
